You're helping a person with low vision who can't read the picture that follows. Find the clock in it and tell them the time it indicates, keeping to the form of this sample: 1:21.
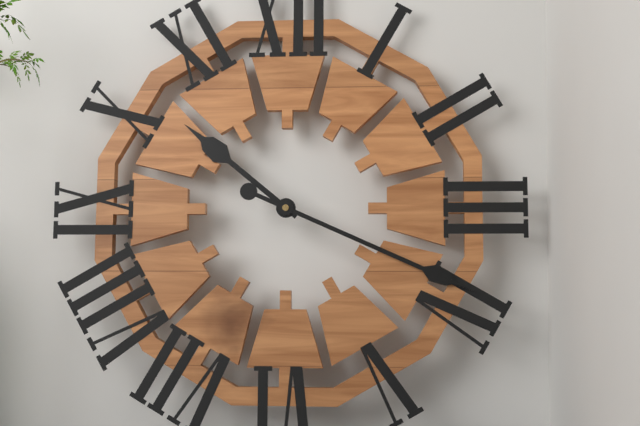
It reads 10:19
